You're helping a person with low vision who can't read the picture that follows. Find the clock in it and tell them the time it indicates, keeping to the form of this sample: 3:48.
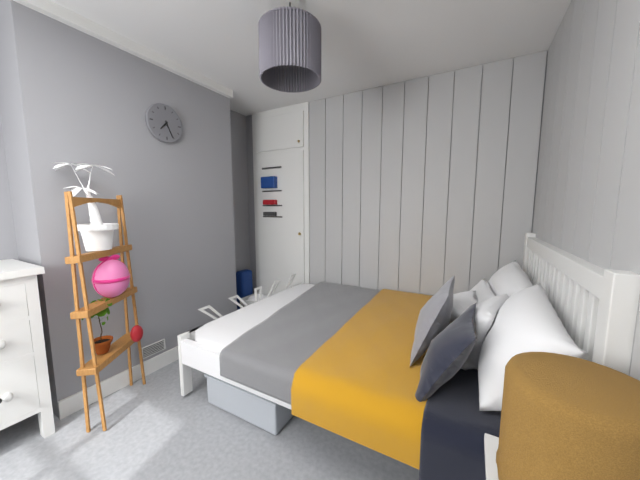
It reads 7:26
